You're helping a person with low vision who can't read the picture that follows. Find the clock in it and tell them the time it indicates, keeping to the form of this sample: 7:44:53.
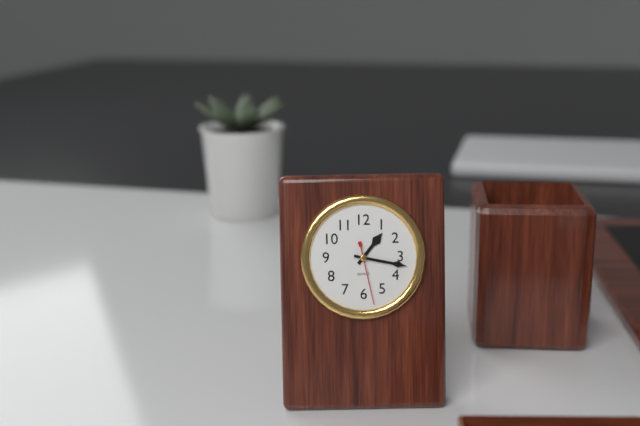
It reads 1:17:28
